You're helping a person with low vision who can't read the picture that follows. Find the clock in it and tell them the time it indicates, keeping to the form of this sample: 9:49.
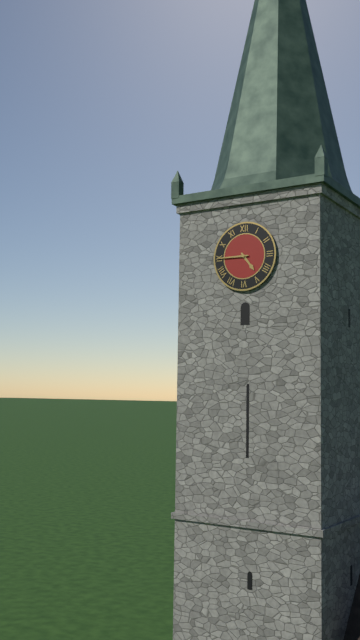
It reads 4:45
